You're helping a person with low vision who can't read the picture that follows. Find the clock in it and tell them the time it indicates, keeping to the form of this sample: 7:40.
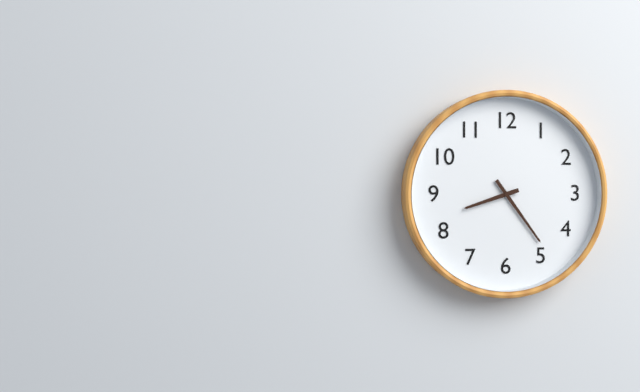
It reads 8:24
